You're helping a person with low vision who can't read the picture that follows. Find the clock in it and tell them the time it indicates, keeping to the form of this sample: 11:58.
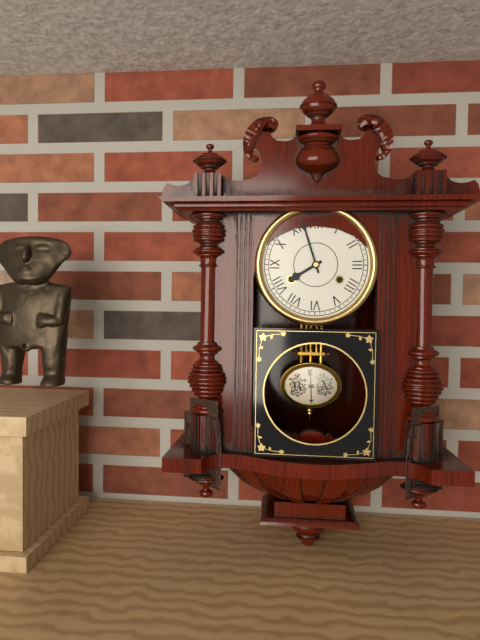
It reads 7:57
